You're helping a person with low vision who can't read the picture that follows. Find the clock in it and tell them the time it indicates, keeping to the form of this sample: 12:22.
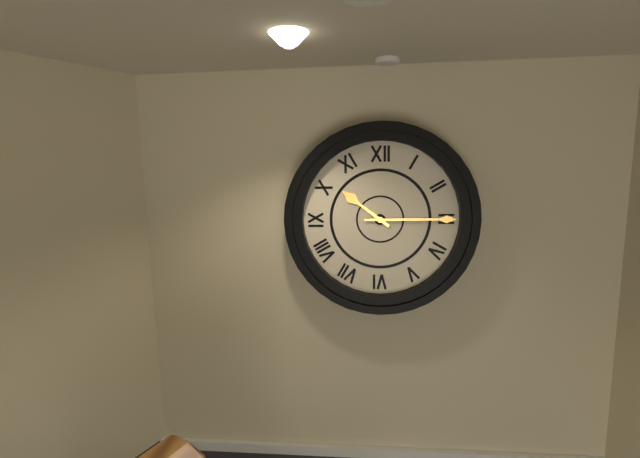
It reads 10:15
